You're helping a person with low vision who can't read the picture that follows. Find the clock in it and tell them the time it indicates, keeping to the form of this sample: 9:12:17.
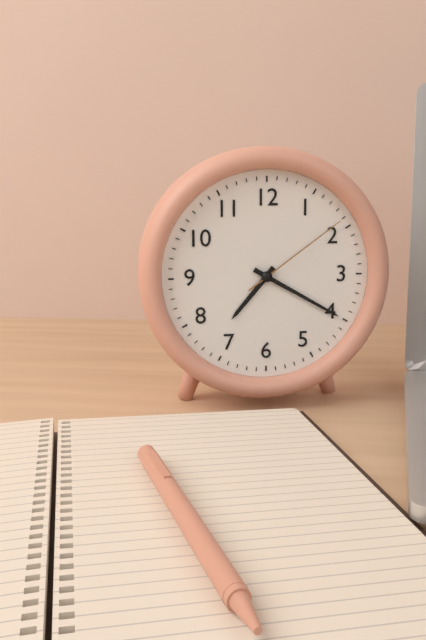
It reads 7:20:09
